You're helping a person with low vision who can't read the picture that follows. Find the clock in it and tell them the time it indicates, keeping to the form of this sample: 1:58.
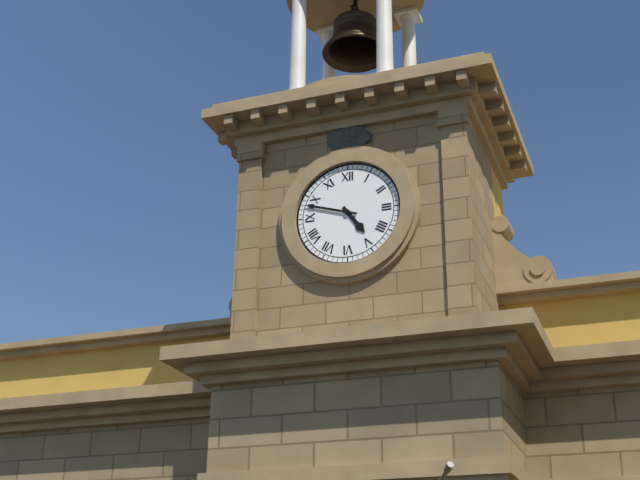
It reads 4:48
